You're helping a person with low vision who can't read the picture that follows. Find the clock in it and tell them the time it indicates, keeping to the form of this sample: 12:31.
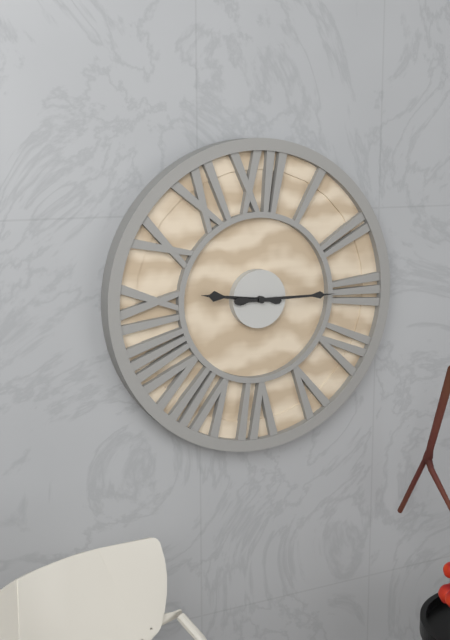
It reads 9:15
